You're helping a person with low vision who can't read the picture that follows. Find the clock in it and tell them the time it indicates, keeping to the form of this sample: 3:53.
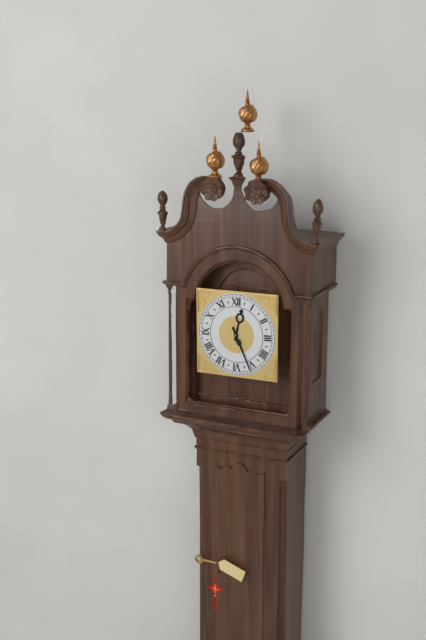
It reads 12:26
